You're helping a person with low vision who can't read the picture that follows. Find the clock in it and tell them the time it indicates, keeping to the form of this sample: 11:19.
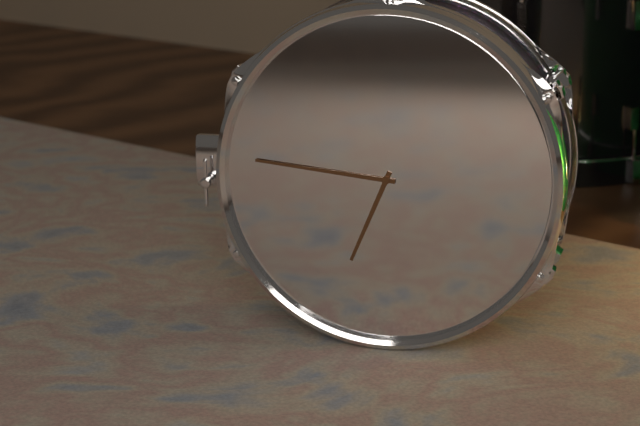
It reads 6:46
